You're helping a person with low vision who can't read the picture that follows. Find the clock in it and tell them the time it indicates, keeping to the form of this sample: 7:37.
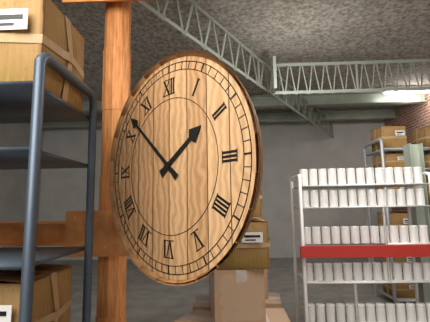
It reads 1:52
